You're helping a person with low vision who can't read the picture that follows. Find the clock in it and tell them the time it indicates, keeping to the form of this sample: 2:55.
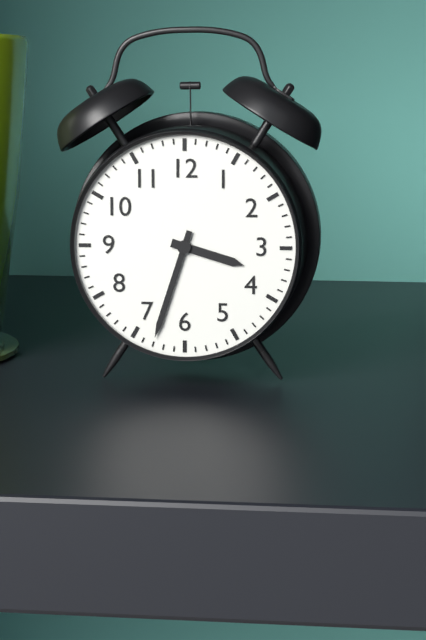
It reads 3:33
